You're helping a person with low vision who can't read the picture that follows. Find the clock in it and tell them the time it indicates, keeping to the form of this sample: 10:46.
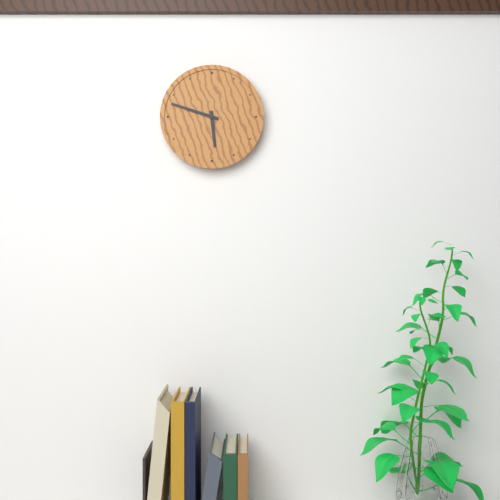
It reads 5:48
